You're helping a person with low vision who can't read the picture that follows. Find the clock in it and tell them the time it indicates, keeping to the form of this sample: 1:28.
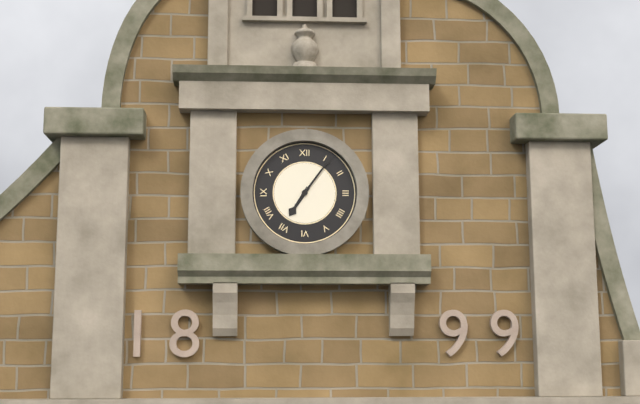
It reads 7:06
